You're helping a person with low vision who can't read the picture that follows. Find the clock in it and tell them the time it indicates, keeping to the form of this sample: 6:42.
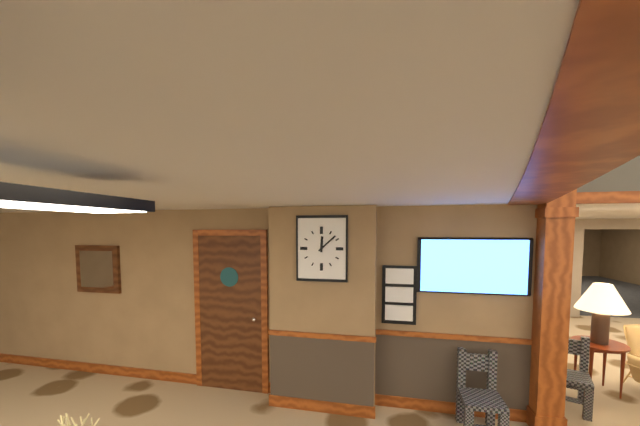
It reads 12:08
